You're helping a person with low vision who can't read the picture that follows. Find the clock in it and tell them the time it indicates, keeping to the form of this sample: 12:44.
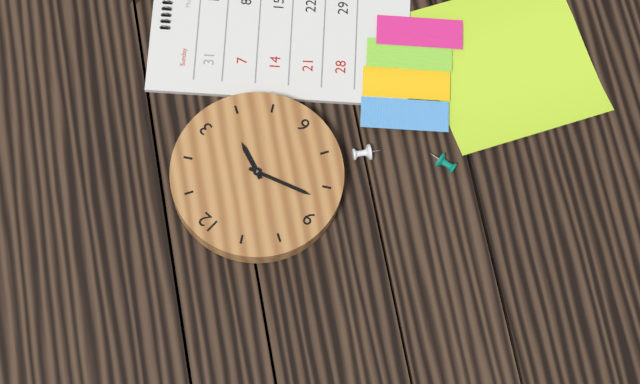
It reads 3:42
